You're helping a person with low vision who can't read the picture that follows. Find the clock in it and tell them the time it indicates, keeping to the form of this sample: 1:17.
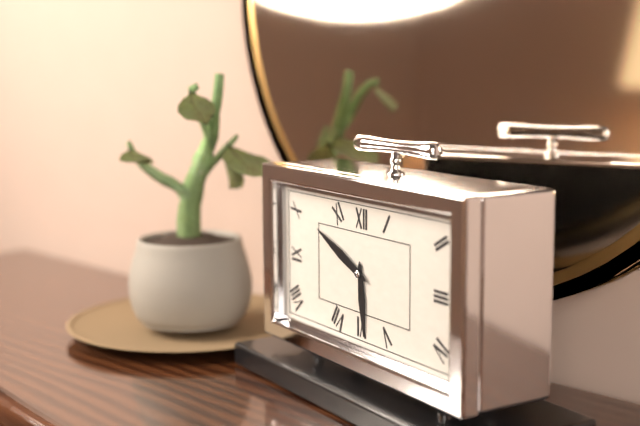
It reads 5:49
